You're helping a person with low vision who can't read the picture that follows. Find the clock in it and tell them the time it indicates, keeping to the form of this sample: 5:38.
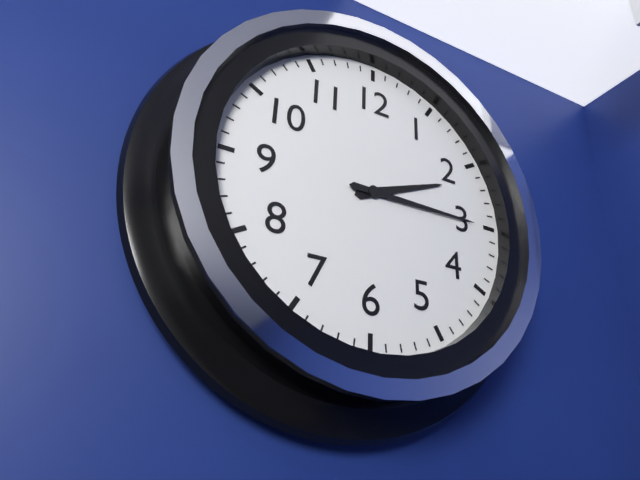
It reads 2:15
